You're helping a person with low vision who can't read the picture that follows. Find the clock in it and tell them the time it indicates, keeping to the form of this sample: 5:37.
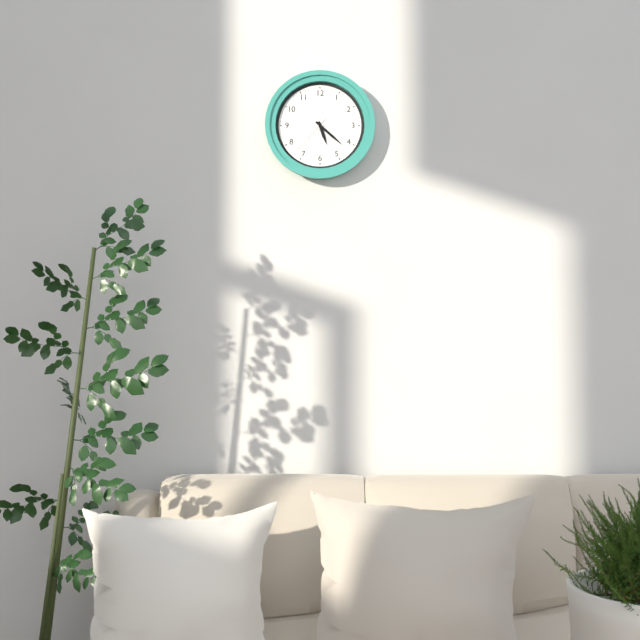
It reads 5:22
